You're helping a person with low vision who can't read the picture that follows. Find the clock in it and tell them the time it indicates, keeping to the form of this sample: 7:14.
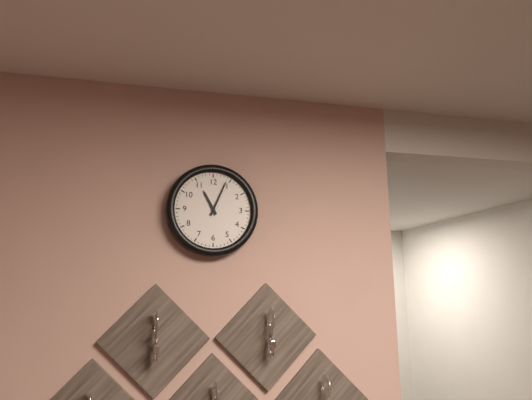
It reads 11:04
